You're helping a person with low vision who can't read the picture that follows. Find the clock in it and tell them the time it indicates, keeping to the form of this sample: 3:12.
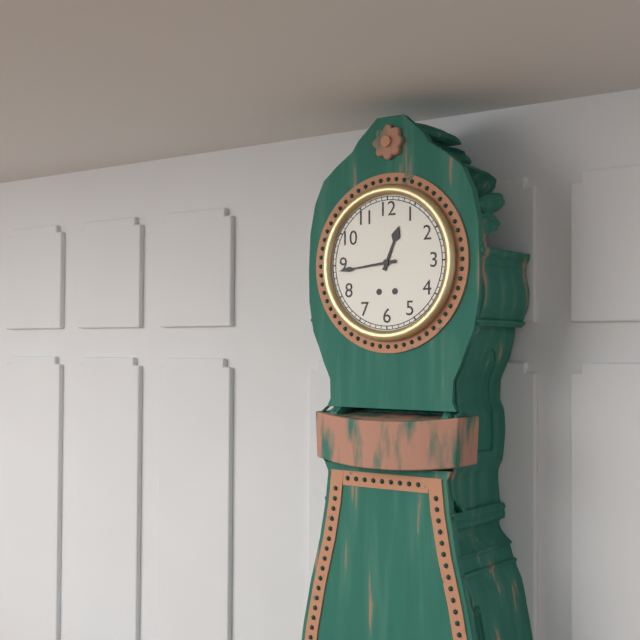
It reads 12:44
